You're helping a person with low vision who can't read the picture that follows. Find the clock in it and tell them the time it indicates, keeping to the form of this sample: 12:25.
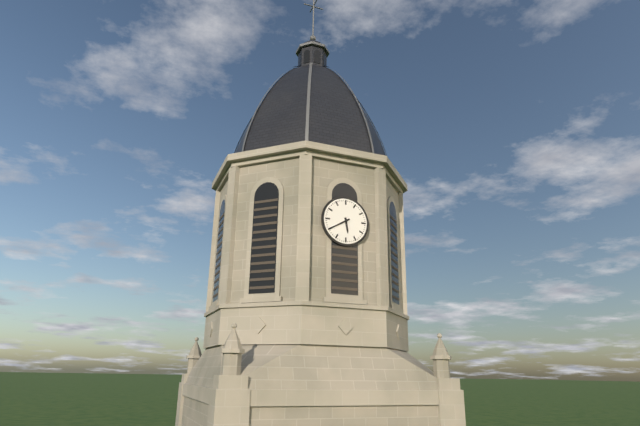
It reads 5:40
